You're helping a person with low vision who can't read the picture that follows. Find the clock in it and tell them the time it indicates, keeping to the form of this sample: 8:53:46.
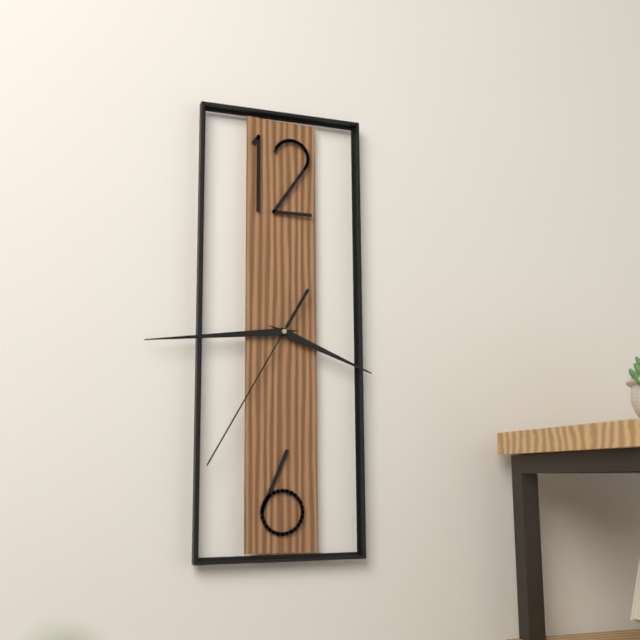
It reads 3:44:35
